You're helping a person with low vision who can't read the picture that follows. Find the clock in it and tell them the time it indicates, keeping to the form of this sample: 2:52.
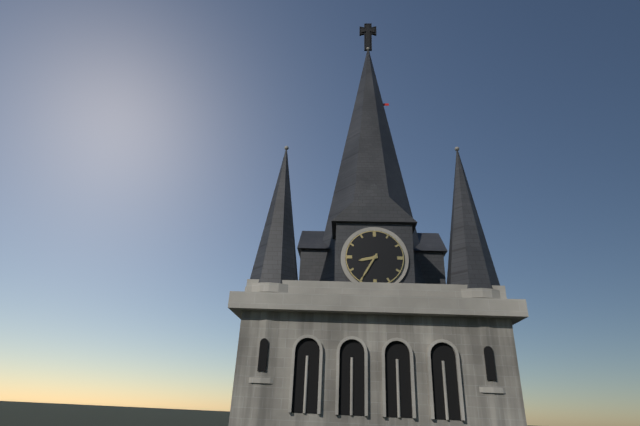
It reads 8:35
